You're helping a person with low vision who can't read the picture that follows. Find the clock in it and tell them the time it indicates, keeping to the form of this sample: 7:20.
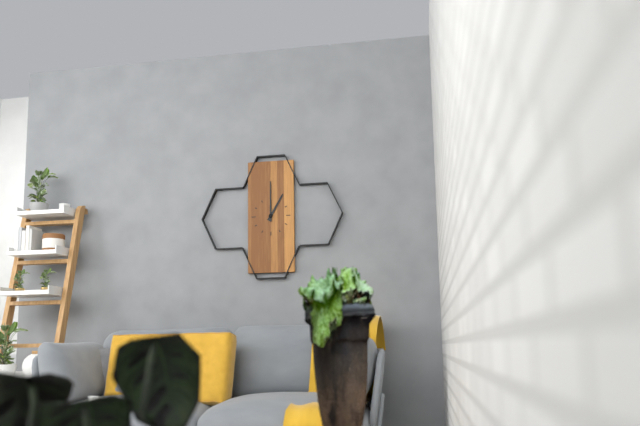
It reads 1:00
